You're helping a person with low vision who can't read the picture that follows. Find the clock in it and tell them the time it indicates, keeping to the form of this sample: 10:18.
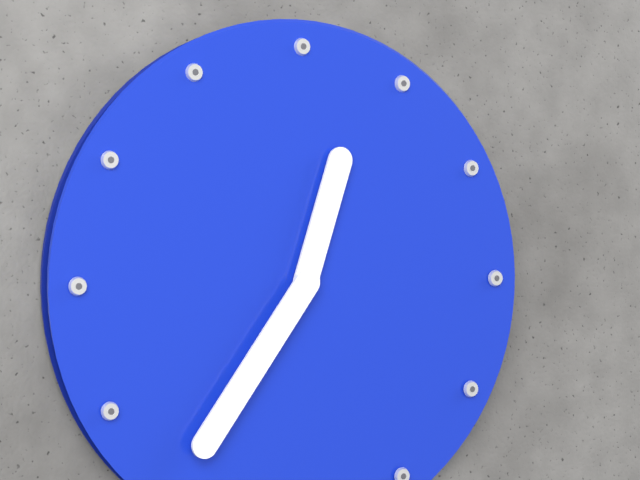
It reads 12:36
